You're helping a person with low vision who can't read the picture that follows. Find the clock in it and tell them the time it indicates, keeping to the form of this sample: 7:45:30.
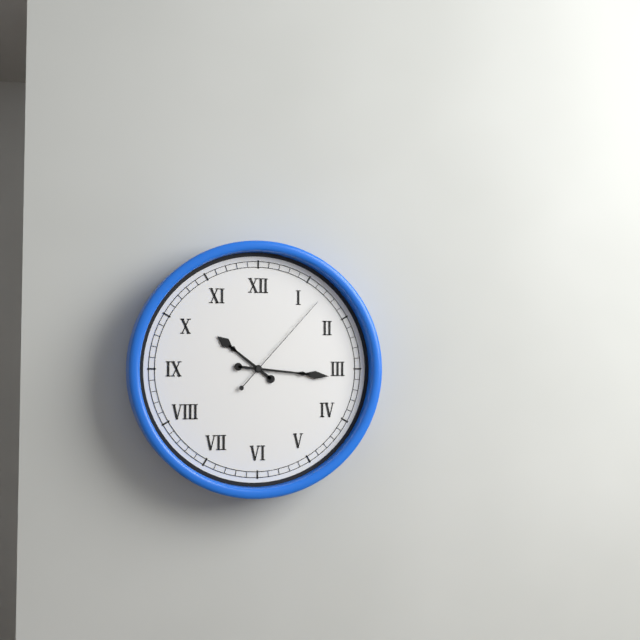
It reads 10:16:07
